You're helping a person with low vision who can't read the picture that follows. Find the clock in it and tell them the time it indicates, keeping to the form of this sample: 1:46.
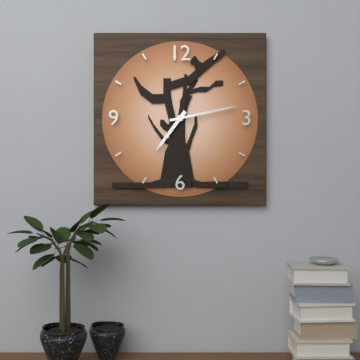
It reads 7:13
